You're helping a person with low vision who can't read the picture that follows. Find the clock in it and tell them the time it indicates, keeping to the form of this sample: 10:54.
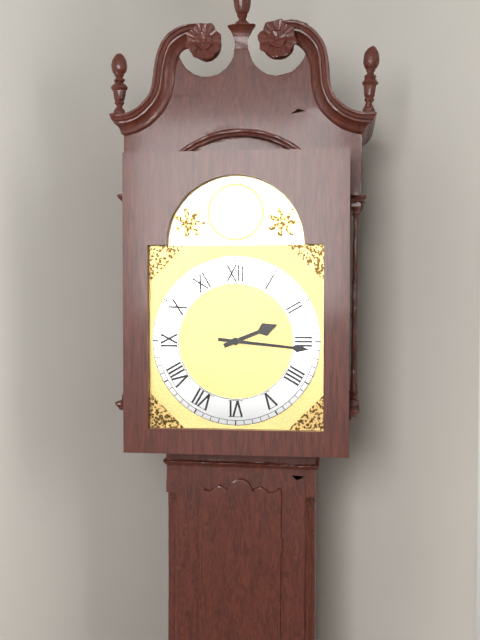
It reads 2:16
